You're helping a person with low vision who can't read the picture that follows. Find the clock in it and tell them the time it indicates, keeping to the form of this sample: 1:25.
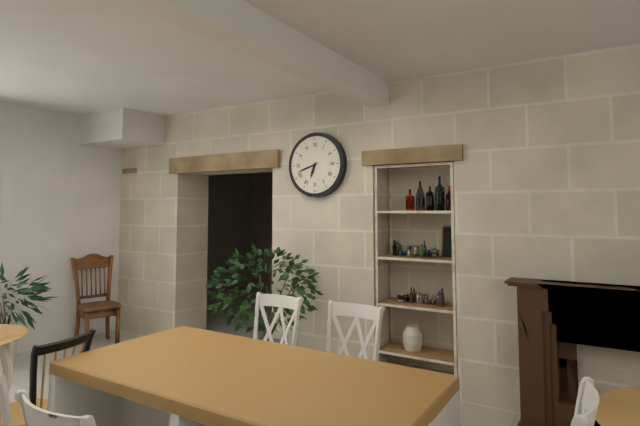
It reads 6:42
